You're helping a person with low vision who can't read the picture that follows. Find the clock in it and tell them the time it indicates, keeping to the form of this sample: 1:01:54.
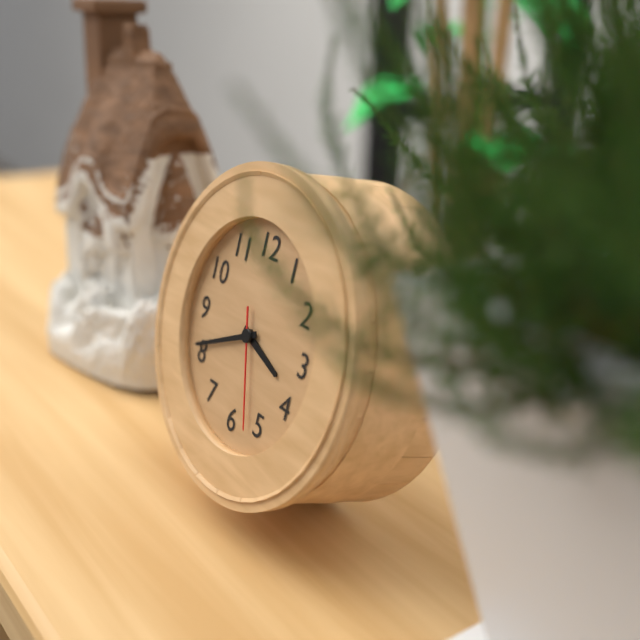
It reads 3:41:27
